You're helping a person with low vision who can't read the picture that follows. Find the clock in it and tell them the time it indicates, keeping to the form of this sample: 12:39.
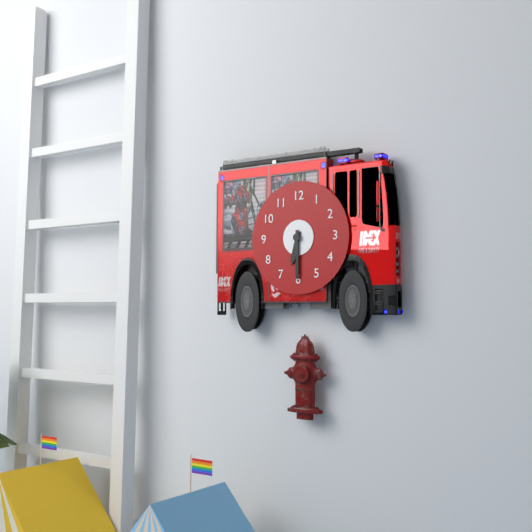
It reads 6:30
